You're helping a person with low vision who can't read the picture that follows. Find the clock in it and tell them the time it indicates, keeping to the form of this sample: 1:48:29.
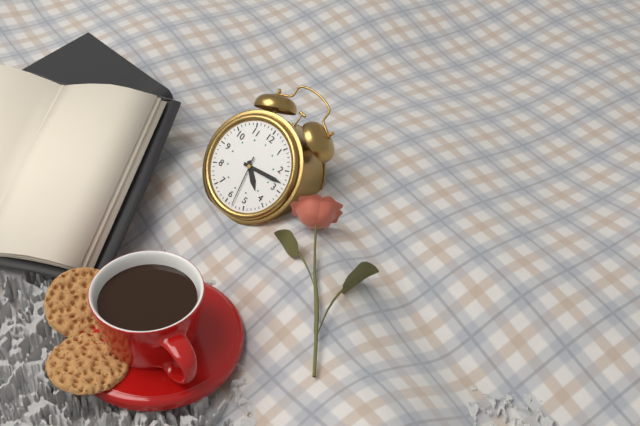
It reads 4:13:28
